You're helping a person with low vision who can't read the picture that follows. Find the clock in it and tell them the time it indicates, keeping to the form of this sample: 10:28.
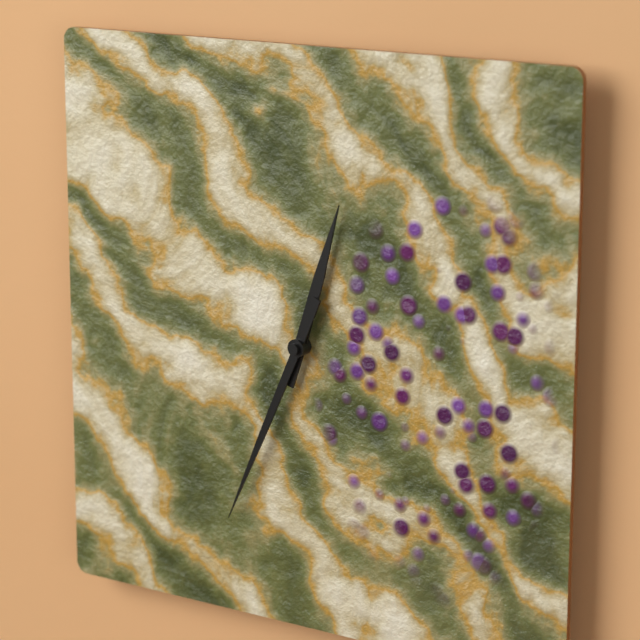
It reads 12:34
